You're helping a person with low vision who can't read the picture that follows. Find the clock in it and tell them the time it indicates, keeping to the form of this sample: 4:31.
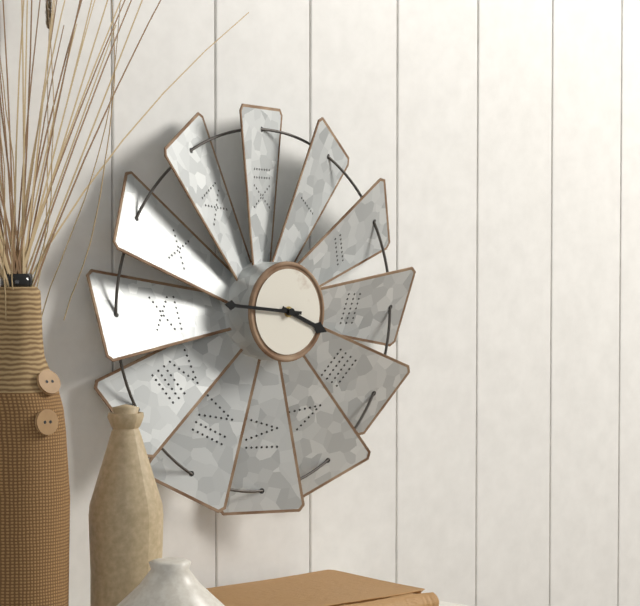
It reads 3:46
